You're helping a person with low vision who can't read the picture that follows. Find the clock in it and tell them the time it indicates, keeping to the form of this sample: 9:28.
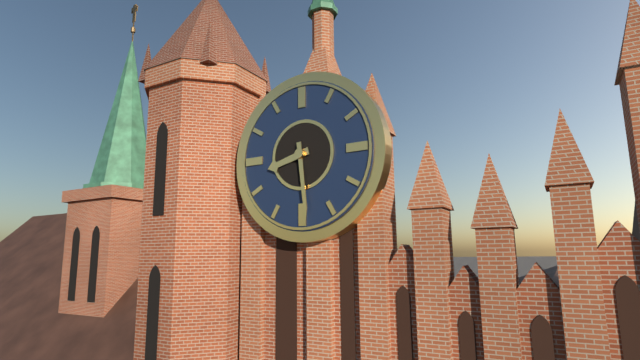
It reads 8:29
